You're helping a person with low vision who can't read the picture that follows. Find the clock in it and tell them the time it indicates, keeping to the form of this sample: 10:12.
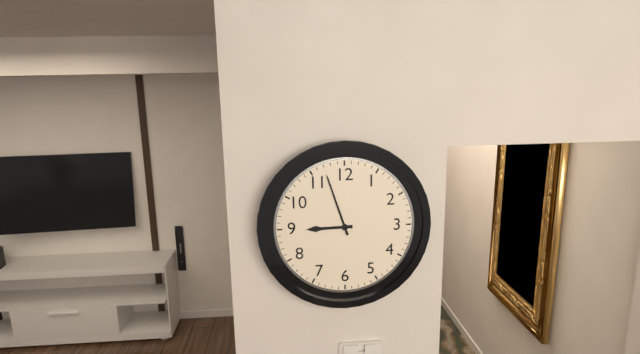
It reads 8:57
